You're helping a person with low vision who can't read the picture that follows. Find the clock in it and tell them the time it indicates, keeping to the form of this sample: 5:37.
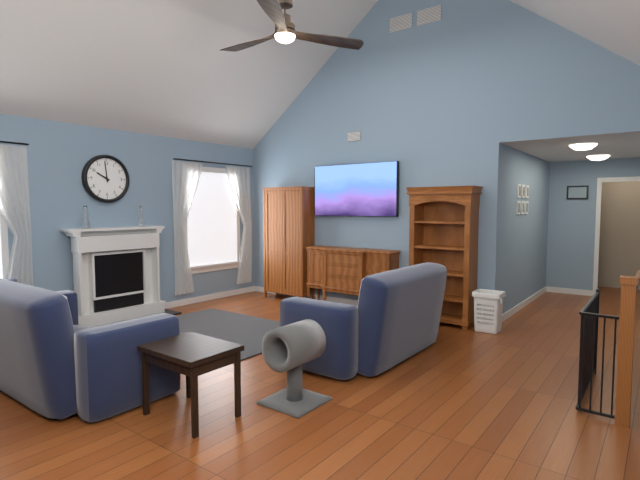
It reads 9:59
